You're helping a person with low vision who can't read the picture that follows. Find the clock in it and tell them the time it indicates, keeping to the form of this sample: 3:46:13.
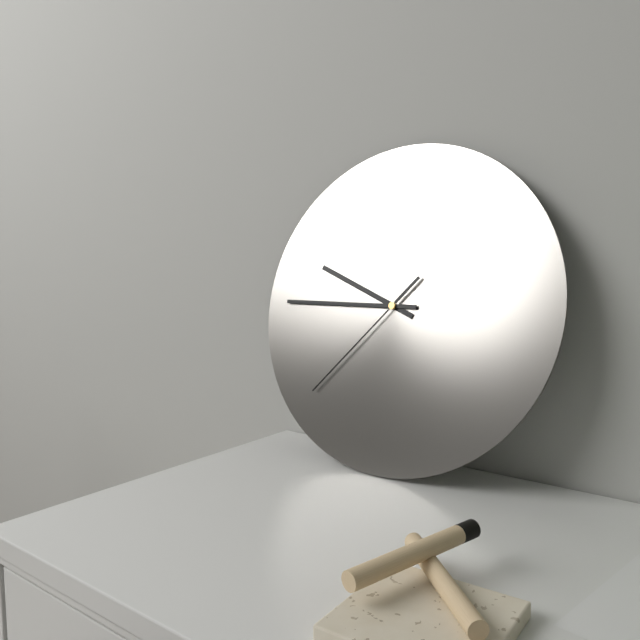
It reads 9:45:37
